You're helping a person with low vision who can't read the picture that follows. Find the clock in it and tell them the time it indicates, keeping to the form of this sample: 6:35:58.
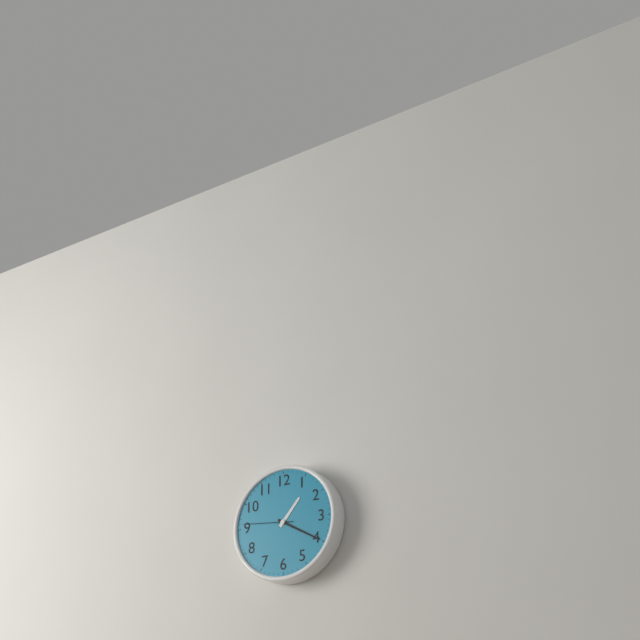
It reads 1:20:46
